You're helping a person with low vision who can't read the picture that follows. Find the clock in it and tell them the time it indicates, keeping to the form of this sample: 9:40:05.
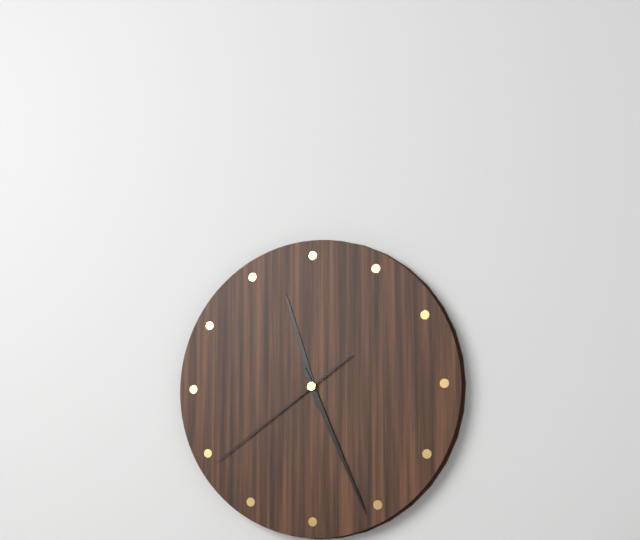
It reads 11:26:39
